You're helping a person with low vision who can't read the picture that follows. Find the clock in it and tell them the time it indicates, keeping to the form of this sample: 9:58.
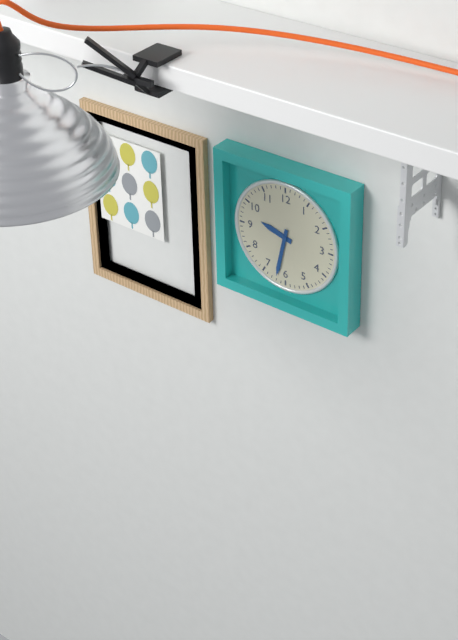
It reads 9:32
